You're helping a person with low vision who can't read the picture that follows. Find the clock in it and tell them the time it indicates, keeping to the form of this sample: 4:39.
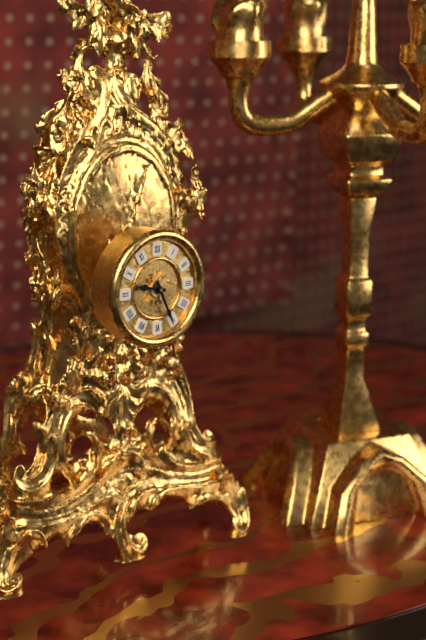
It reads 9:26
